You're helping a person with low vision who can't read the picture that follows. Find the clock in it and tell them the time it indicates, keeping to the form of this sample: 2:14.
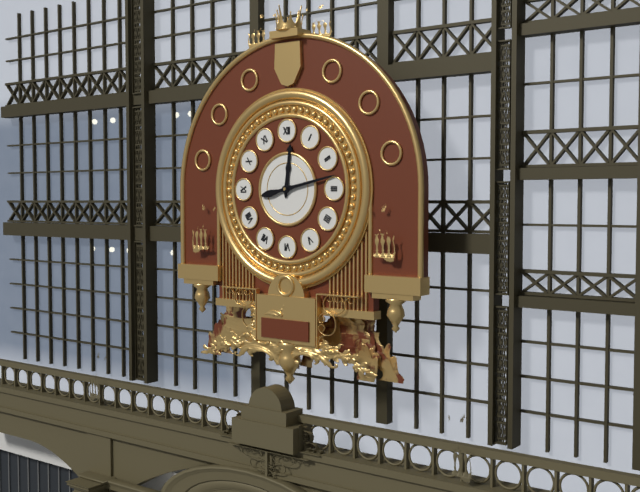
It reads 12:13
